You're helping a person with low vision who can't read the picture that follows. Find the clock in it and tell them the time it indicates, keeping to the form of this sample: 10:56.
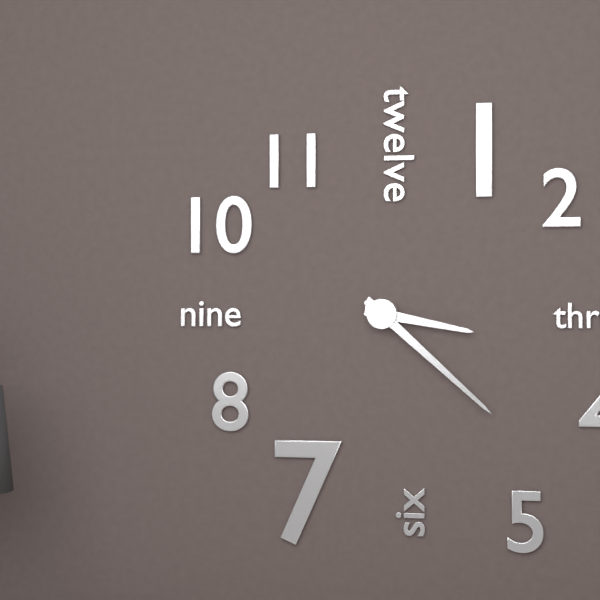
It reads 3:22
